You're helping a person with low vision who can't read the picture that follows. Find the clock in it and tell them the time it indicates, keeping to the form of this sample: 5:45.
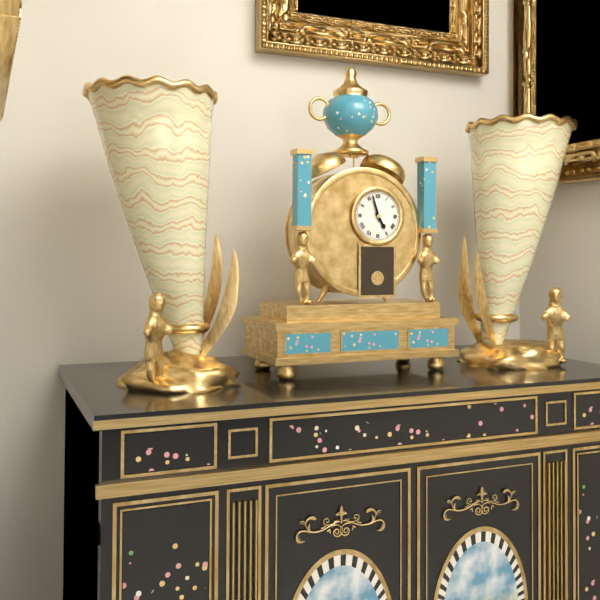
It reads 4:57
